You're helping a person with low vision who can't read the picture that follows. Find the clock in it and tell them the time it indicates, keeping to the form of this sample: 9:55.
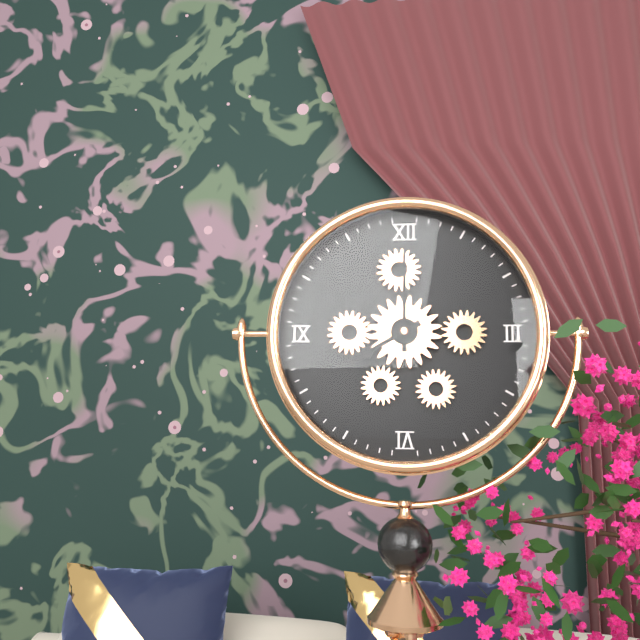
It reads 8:00
